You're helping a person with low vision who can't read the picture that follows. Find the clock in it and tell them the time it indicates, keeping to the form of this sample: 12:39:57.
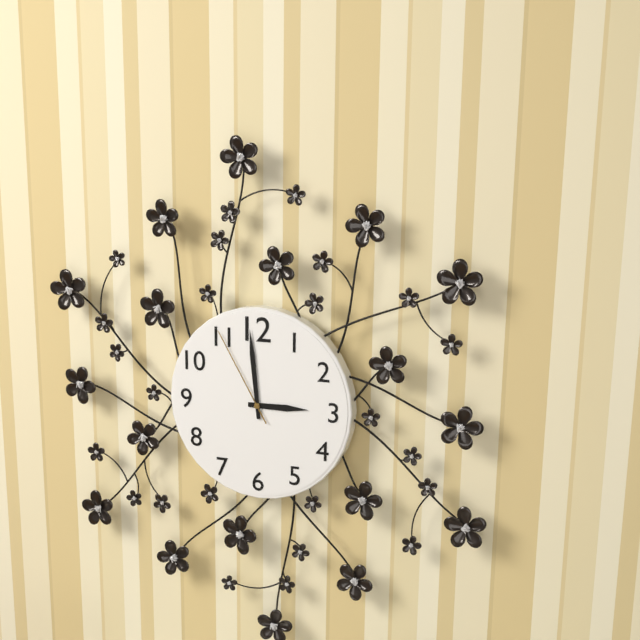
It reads 2:59:55
